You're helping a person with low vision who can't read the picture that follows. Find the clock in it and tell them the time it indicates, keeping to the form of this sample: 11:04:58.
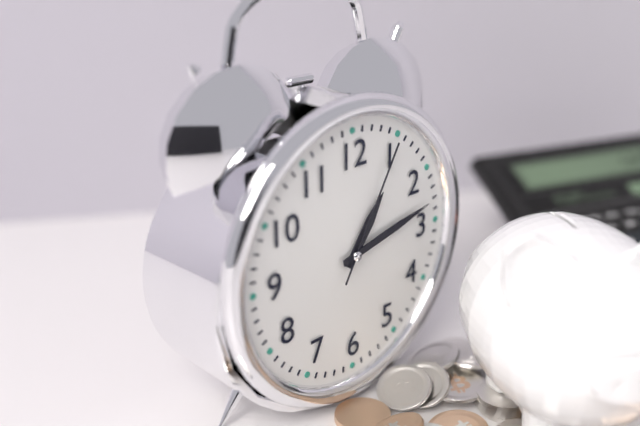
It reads 1:13:05
